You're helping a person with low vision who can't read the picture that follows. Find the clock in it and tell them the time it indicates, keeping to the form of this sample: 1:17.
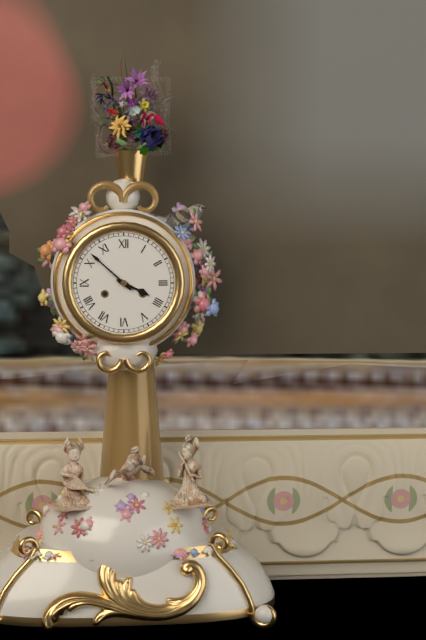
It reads 3:52
